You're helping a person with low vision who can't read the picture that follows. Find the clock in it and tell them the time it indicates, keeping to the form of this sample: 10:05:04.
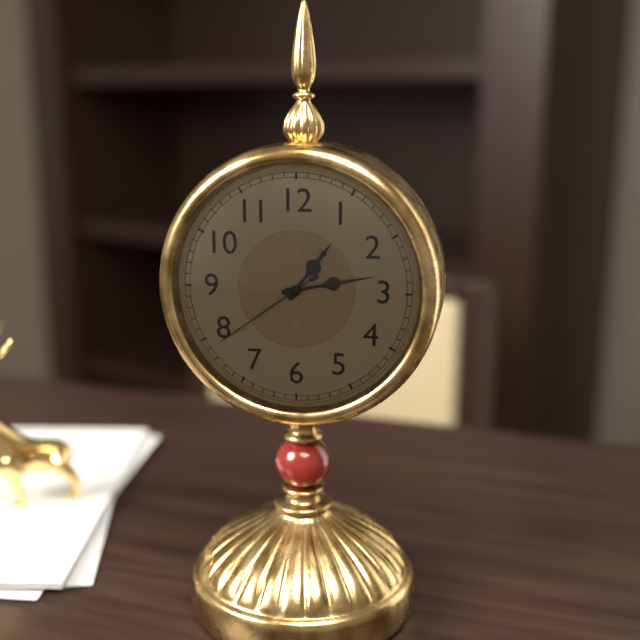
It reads 1:13:39
